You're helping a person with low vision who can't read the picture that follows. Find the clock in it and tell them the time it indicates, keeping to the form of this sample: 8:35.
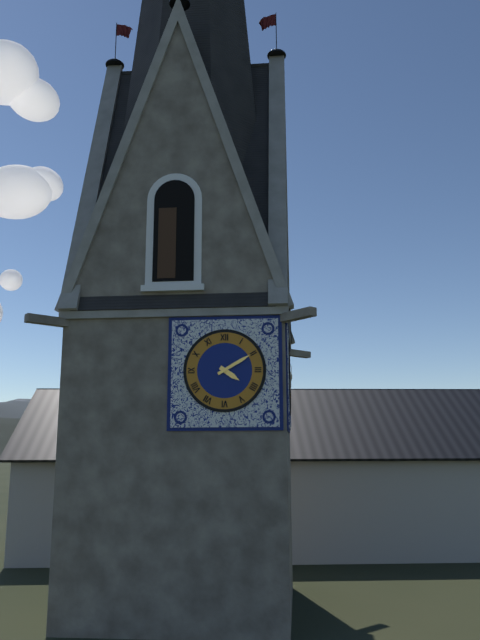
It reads 4:10
